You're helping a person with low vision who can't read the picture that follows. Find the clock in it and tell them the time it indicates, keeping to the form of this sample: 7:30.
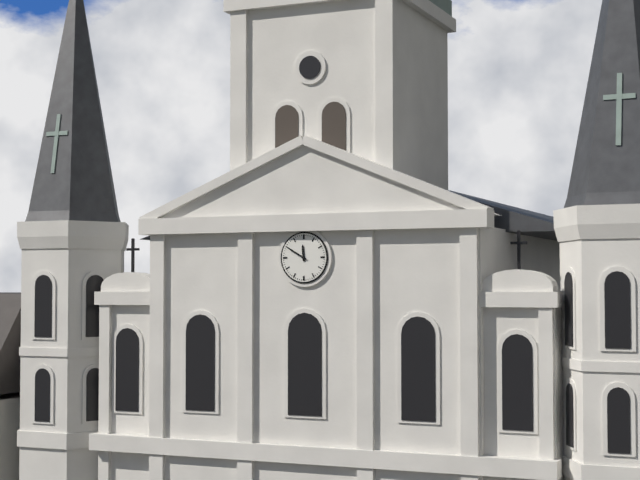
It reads 11:50
